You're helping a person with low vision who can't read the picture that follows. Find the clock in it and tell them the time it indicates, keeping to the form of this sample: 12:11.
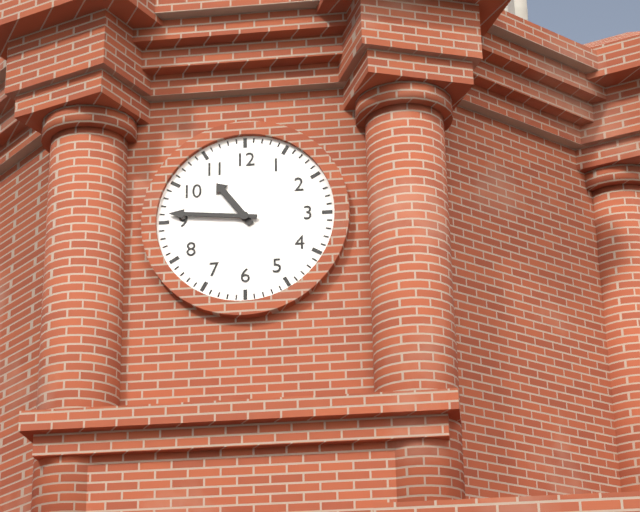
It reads 10:46
